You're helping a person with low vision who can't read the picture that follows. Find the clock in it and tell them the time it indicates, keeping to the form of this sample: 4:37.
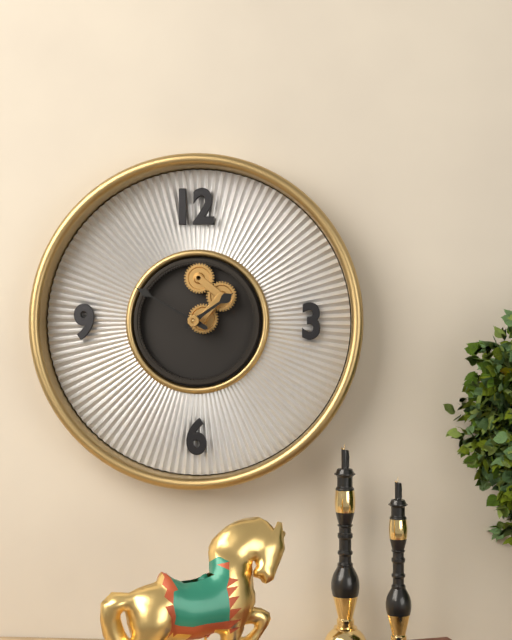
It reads 1:50
